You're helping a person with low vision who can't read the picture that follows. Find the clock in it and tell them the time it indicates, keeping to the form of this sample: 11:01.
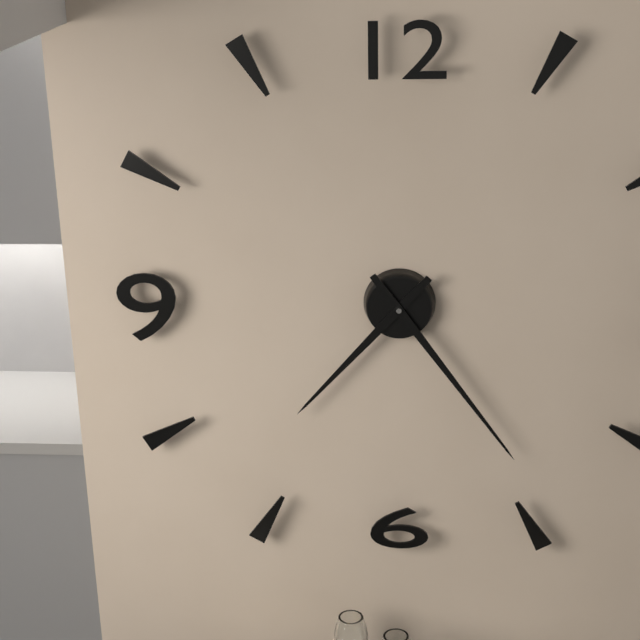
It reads 7:24
